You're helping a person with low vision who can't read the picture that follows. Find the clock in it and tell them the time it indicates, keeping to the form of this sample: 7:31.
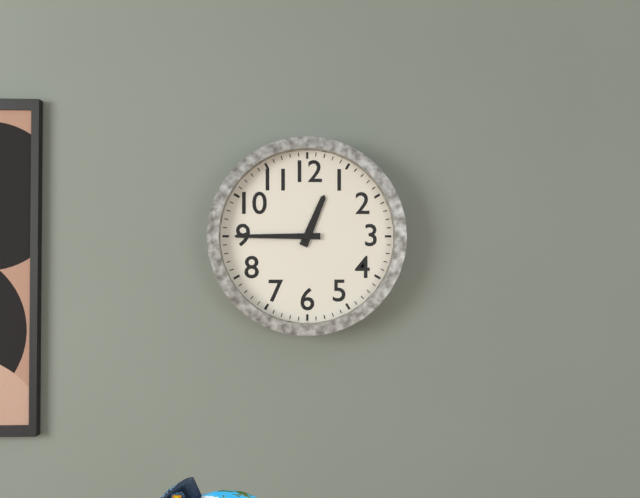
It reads 12:45
